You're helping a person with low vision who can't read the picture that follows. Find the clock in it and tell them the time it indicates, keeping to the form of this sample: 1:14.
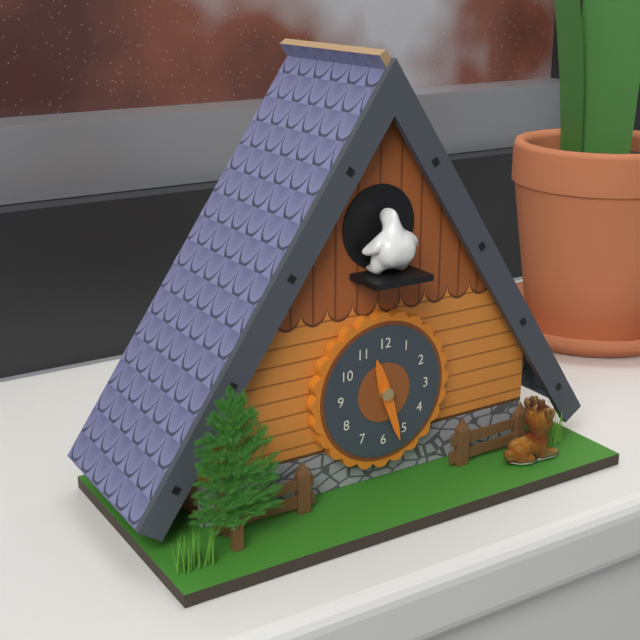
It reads 11:27
